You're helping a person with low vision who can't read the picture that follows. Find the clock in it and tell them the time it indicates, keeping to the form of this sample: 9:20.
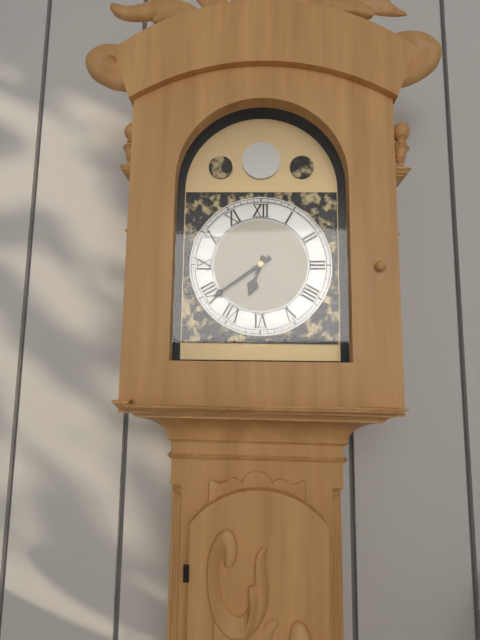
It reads 6:39
